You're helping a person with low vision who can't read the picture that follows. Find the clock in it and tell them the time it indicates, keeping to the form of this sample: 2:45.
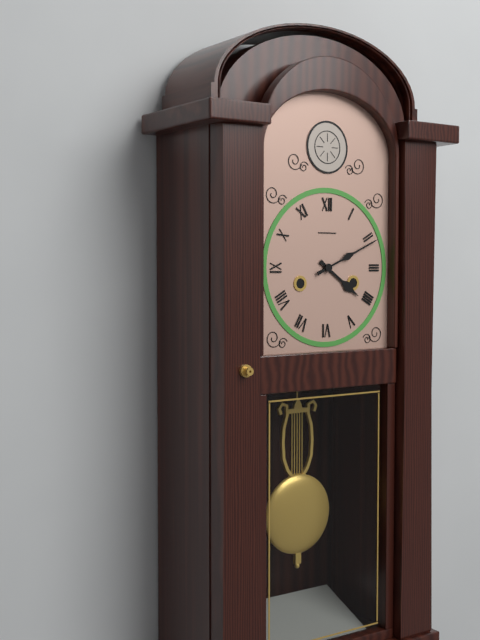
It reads 4:11
